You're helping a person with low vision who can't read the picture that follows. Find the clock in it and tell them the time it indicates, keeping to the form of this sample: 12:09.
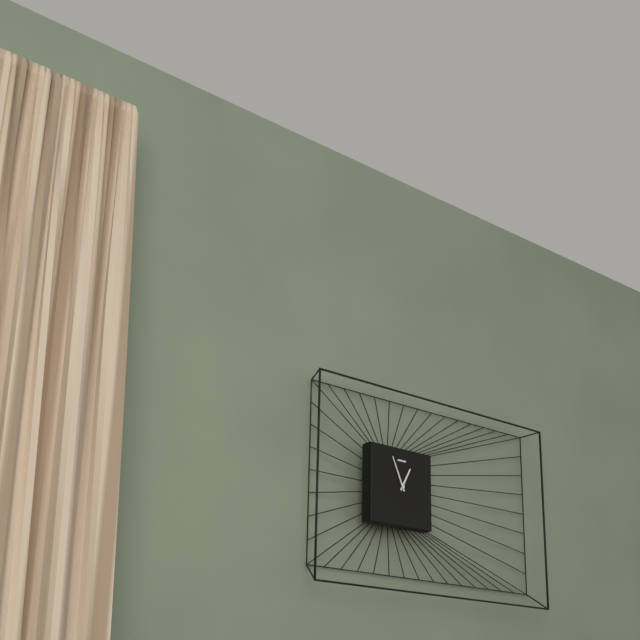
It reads 12:56
